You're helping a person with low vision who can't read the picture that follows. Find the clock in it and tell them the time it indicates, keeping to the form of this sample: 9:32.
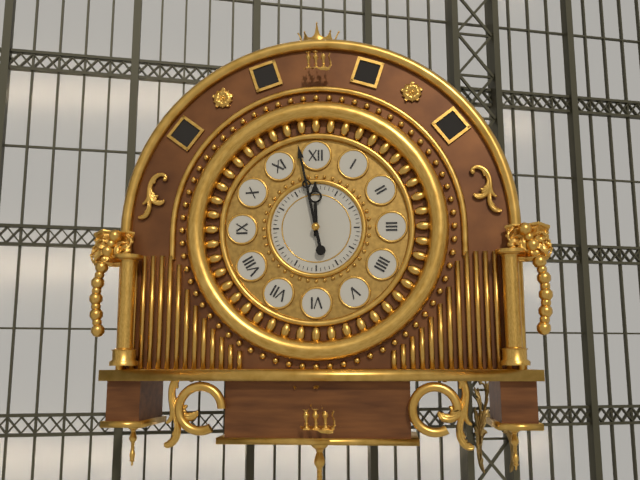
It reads 11:58
